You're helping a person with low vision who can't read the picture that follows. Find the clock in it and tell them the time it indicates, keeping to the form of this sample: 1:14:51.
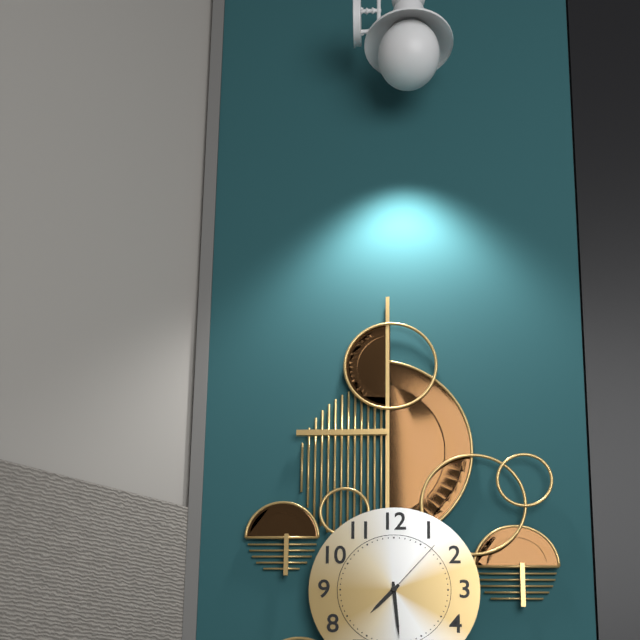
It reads 7:29:07
